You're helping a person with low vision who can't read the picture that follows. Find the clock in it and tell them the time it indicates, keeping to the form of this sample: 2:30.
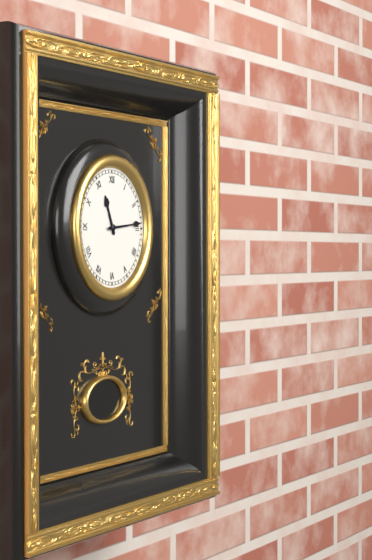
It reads 11:14
